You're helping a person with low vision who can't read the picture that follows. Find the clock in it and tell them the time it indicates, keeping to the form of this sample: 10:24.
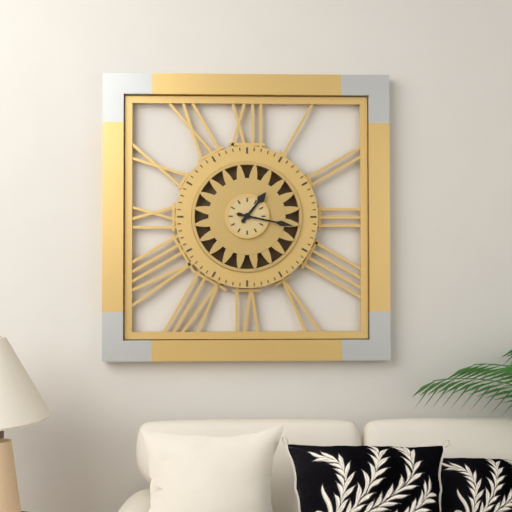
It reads 1:17
